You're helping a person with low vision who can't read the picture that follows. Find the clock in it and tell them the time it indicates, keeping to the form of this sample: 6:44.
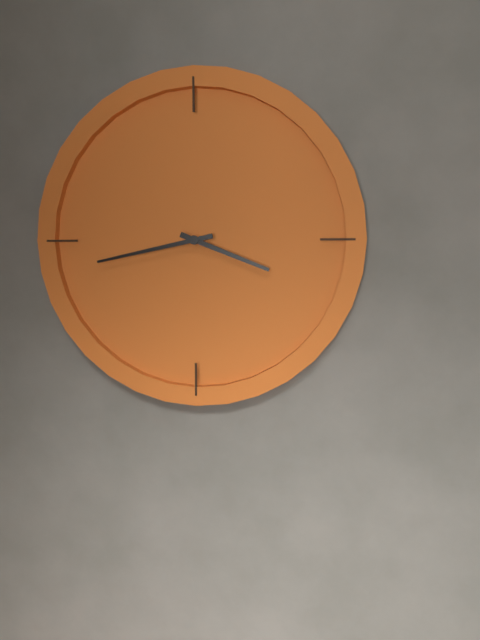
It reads 3:43
